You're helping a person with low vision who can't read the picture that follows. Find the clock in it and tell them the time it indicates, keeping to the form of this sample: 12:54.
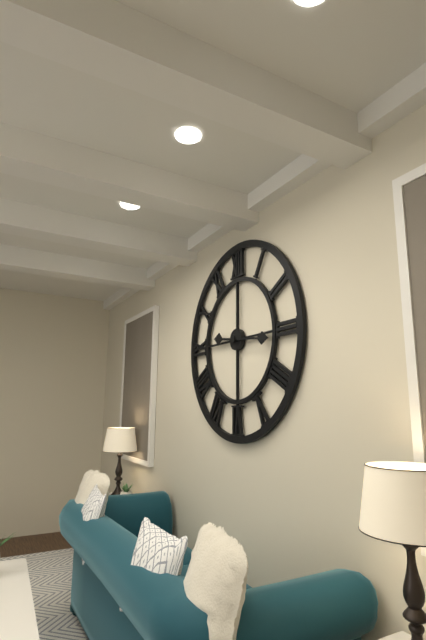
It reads 9:16
